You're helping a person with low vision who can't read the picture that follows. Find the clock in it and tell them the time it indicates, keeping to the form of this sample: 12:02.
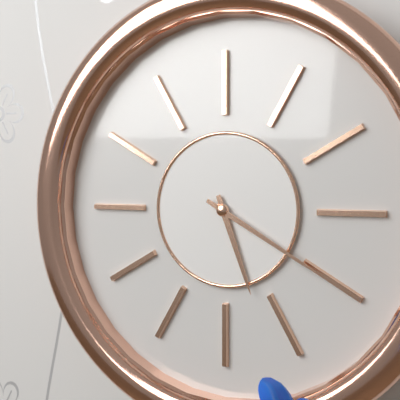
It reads 5:20
